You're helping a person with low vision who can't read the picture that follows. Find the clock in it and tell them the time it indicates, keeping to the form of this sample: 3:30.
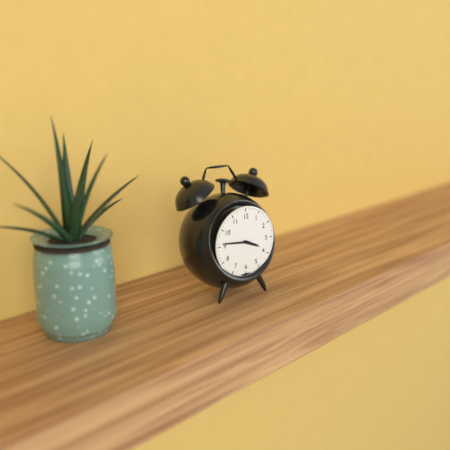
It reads 3:46
